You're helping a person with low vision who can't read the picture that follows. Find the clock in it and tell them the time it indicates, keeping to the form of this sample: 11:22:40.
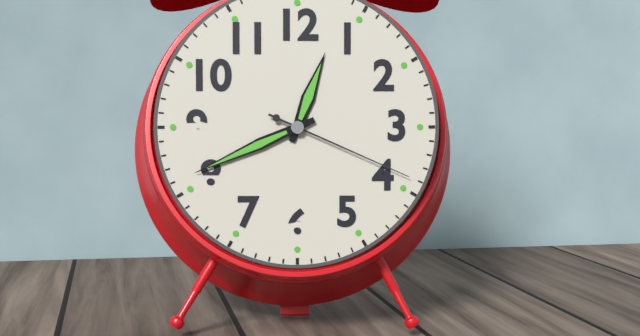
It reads 12:41:19
